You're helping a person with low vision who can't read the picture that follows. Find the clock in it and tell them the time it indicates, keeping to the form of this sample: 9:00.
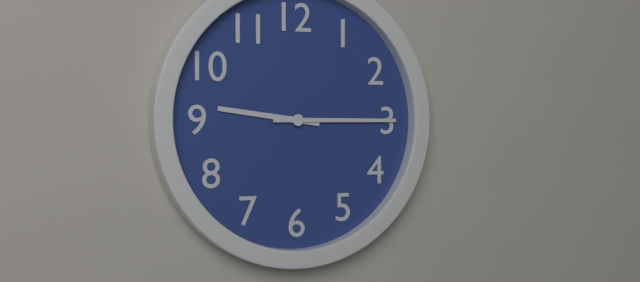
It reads 9:15
